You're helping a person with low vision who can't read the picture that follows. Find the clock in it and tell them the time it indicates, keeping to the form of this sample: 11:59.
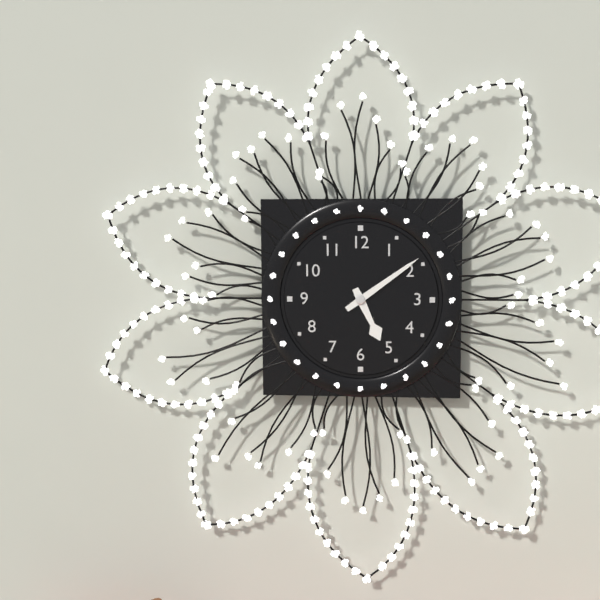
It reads 5:09
